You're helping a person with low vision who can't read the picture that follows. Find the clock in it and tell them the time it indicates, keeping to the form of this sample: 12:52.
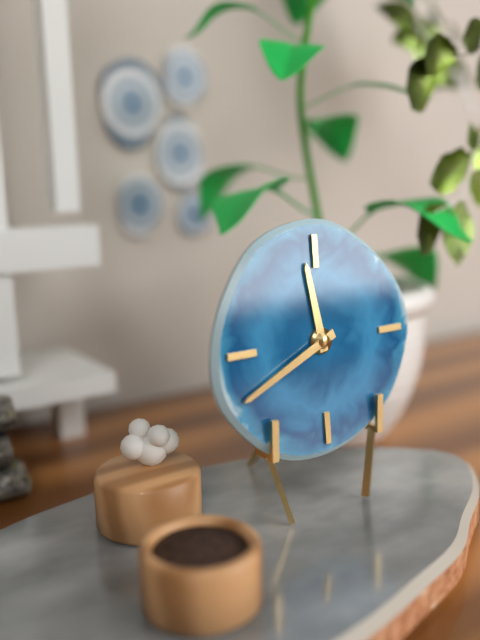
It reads 11:41
